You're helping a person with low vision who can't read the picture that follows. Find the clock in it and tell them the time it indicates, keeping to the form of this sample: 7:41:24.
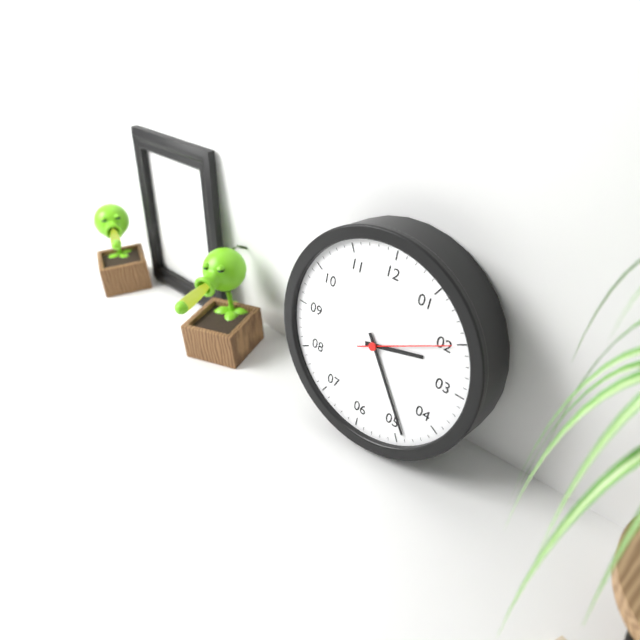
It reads 2:24:10
